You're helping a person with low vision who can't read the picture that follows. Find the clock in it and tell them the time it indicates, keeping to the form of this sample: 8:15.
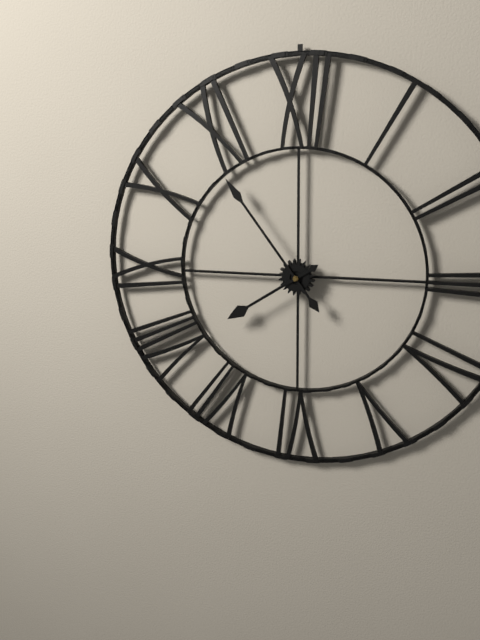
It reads 7:54
